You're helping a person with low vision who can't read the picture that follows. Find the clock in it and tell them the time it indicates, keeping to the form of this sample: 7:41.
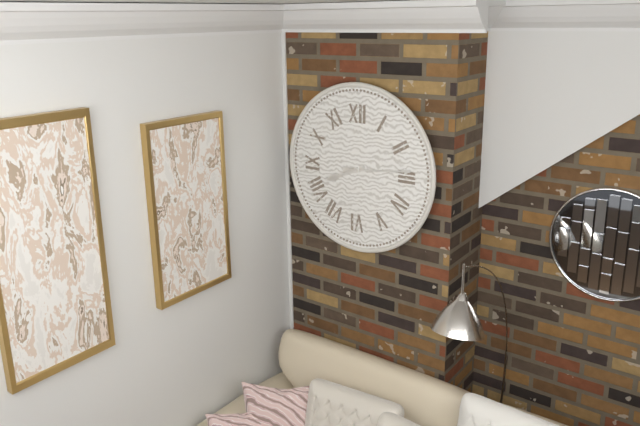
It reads 8:14
